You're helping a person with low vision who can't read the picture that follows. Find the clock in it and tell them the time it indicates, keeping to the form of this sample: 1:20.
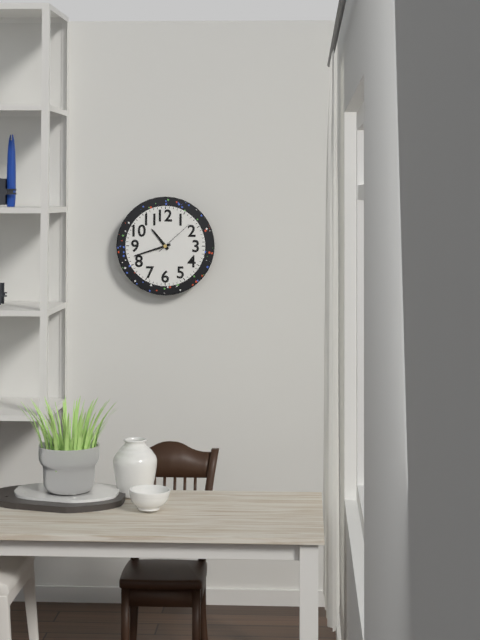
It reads 10:42
